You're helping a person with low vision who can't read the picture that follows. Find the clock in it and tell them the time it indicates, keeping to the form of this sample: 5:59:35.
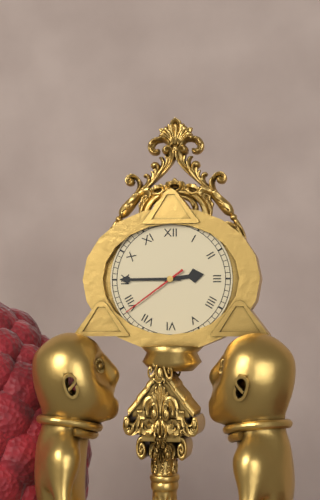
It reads 2:45:39
